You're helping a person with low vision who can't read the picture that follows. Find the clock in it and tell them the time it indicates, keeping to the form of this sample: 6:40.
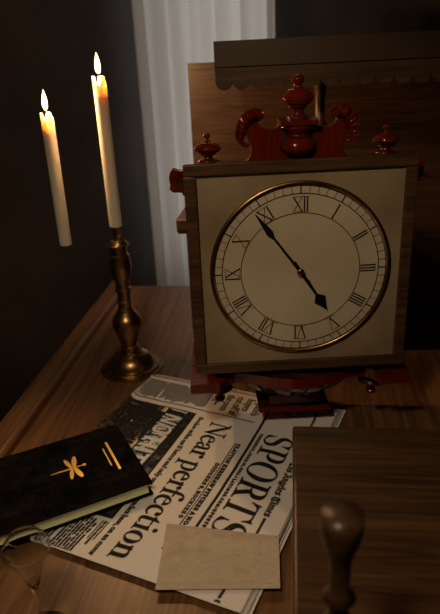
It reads 4:54
